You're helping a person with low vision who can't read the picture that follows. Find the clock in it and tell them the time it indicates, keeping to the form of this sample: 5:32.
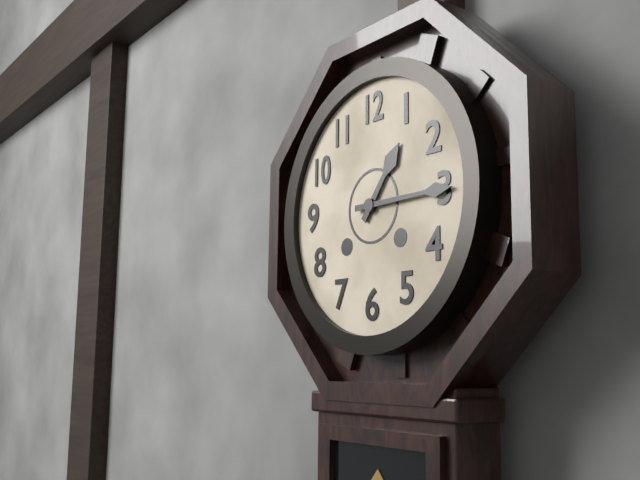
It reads 1:15
